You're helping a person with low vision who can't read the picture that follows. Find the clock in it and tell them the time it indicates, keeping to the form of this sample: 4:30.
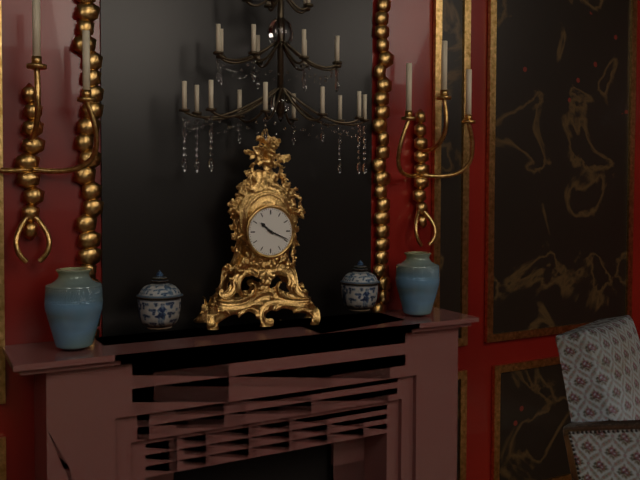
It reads 10:19
